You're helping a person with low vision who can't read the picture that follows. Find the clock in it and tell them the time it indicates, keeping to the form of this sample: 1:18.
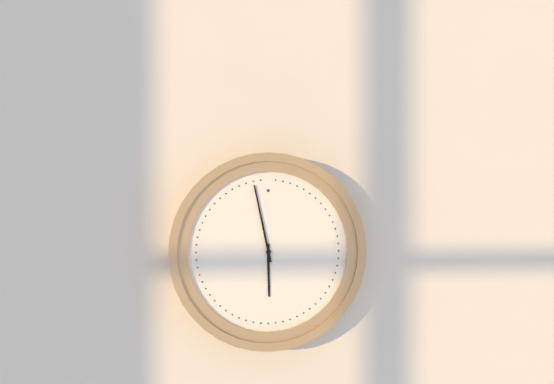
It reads 5:58
